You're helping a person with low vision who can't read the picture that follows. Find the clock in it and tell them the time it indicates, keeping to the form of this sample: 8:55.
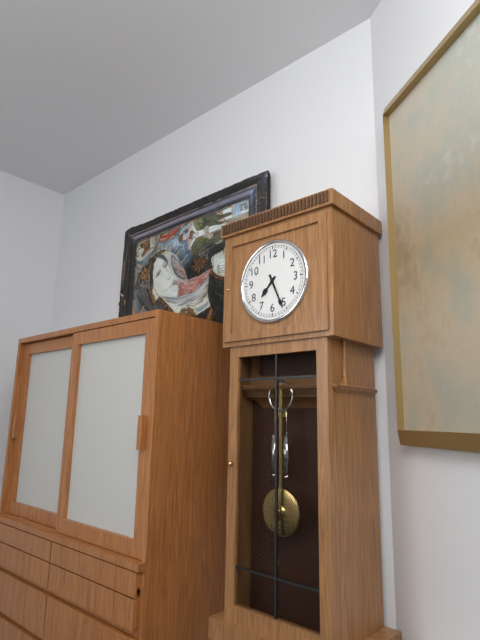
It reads 7:26
